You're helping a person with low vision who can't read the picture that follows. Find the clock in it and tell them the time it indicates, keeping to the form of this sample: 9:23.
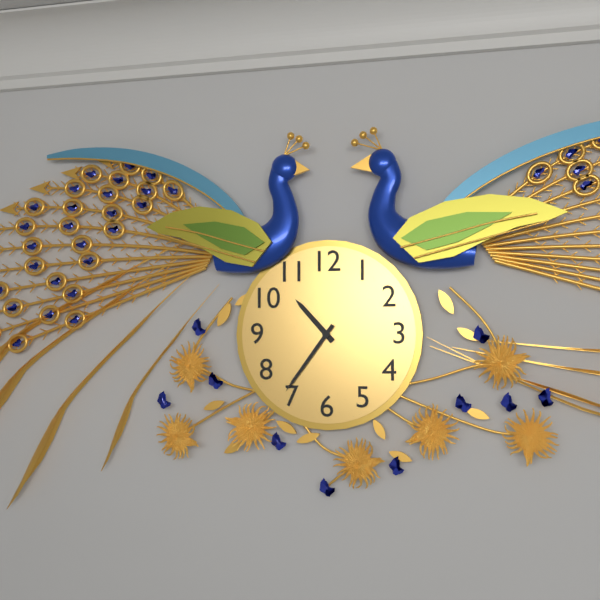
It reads 10:36
